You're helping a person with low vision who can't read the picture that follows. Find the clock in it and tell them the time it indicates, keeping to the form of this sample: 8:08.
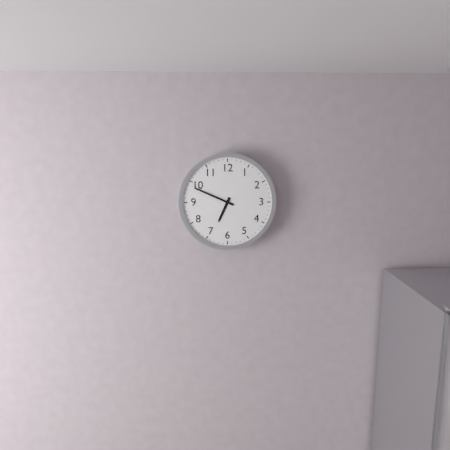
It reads 6:49
